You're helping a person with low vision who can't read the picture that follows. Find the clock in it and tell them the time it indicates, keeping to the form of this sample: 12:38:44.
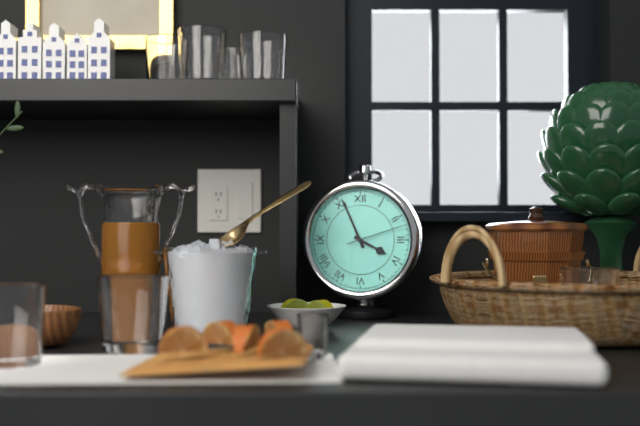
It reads 3:56:12
